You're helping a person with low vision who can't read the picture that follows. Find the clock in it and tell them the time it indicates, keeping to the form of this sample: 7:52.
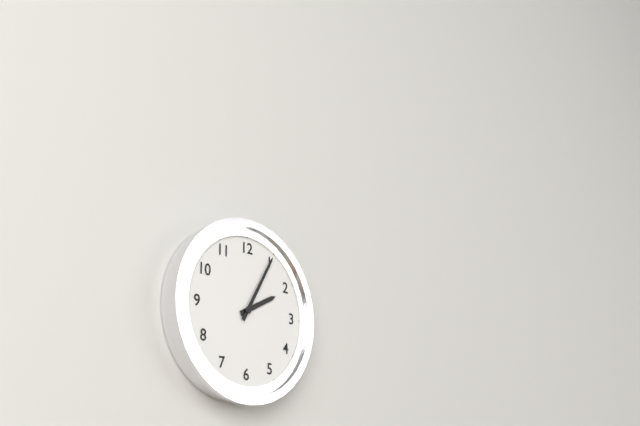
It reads 2:05
